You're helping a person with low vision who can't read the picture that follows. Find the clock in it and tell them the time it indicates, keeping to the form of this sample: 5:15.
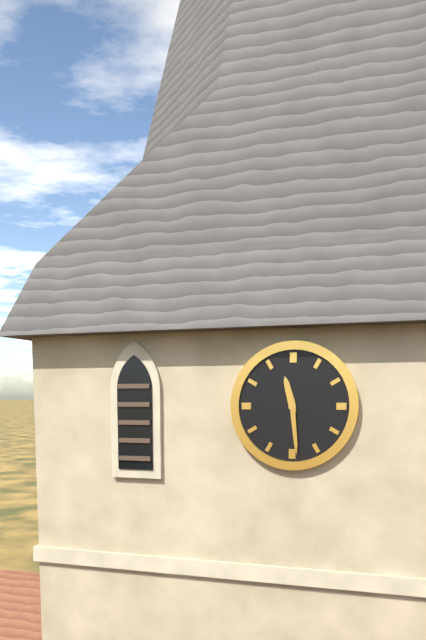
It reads 11:29
